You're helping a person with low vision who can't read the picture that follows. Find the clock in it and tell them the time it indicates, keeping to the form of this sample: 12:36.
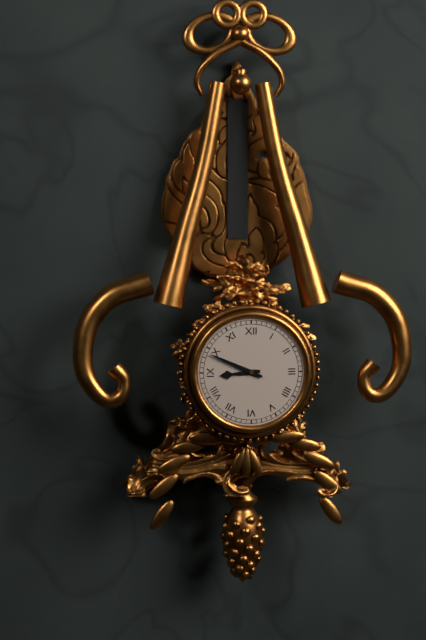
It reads 8:49
